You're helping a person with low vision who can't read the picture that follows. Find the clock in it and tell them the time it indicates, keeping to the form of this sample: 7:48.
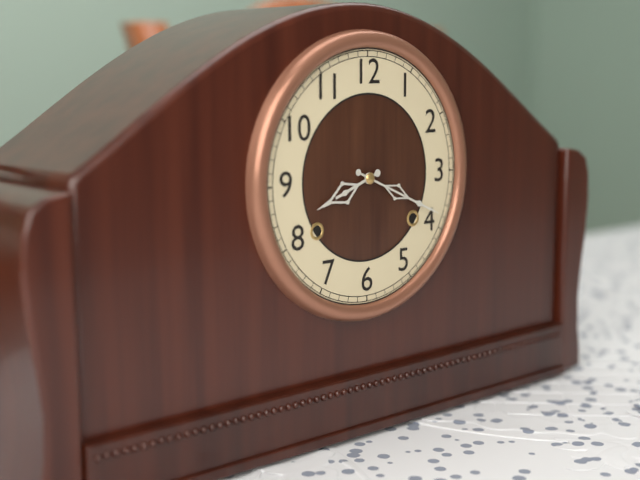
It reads 8:19
